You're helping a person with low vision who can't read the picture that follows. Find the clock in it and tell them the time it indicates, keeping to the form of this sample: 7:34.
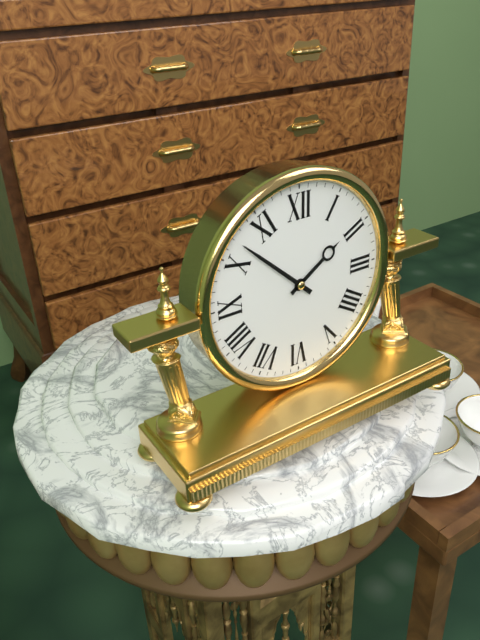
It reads 1:52
